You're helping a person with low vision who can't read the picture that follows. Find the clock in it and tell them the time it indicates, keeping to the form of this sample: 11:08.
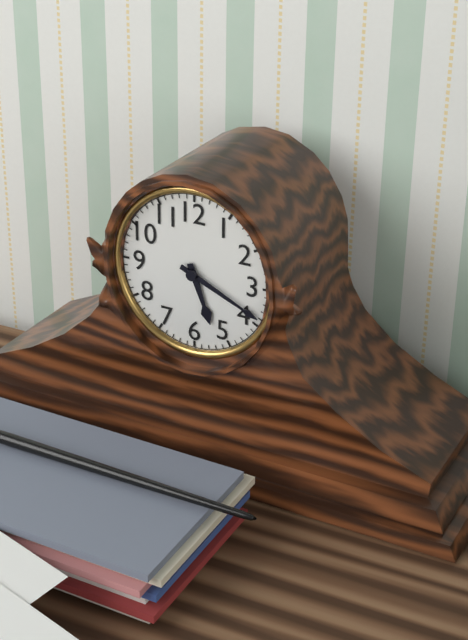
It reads 5:19
